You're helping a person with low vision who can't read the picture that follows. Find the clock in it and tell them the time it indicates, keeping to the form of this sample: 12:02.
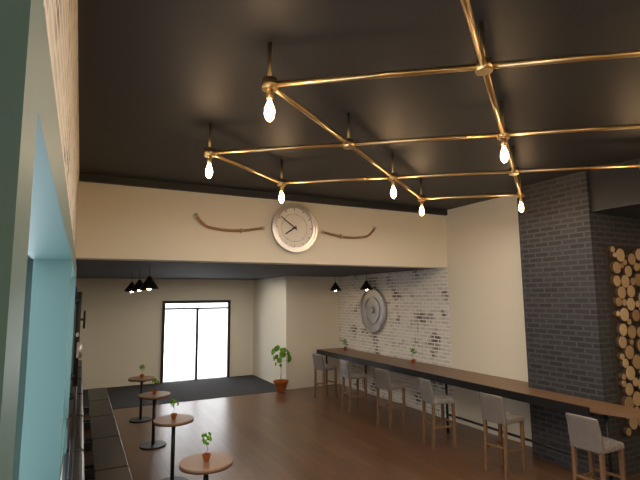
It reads 7:51
